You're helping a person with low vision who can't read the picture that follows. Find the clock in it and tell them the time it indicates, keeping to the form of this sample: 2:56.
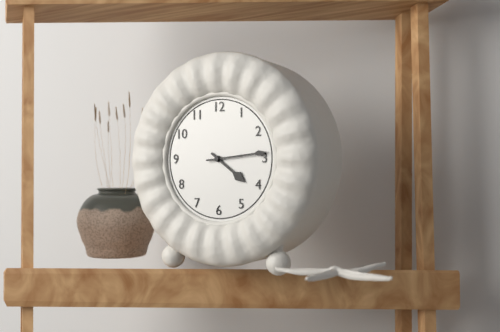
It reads 4:14
